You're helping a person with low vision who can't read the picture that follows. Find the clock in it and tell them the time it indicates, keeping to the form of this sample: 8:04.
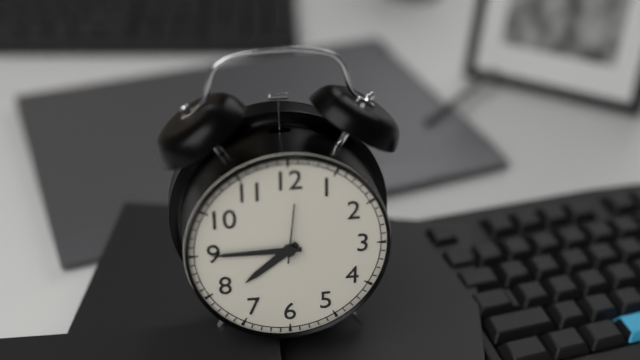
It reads 7:45
